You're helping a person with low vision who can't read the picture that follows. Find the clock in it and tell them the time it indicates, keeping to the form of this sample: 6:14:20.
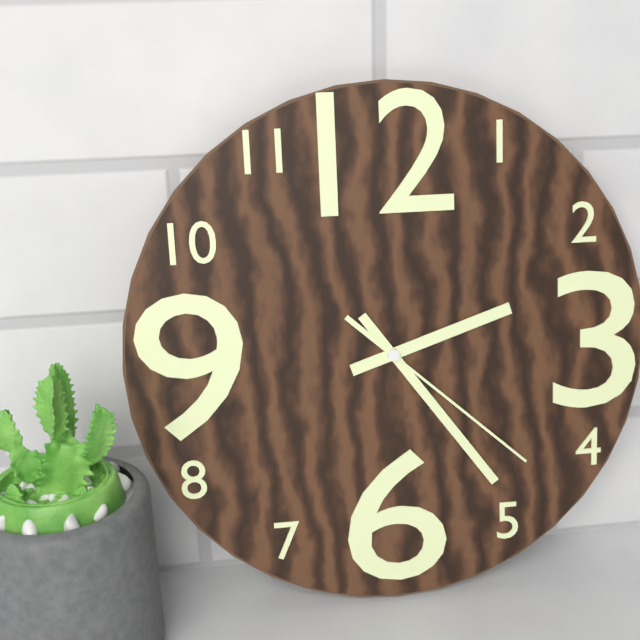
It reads 2:24:22
